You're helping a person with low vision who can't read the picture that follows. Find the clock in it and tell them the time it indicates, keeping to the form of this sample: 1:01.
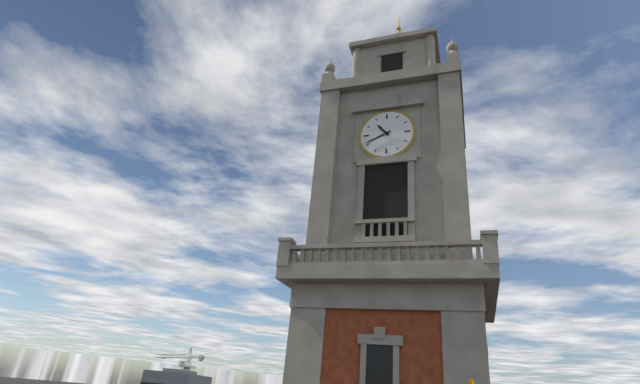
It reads 10:41
